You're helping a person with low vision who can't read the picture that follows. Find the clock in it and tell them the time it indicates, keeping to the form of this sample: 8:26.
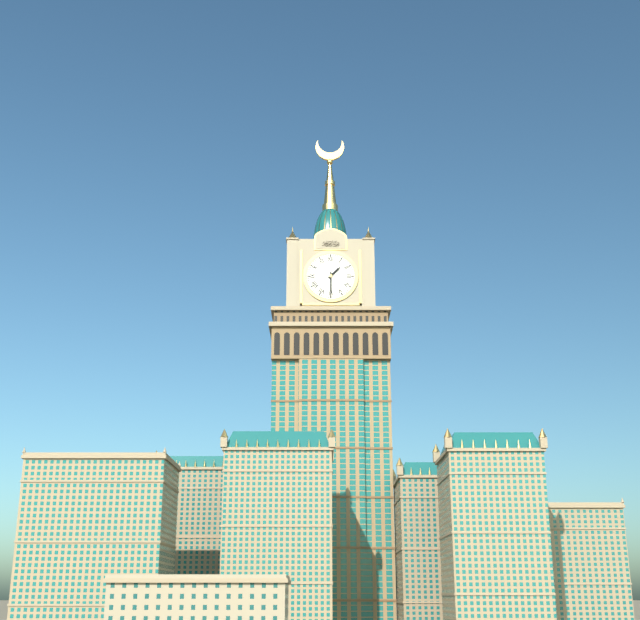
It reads 1:30
